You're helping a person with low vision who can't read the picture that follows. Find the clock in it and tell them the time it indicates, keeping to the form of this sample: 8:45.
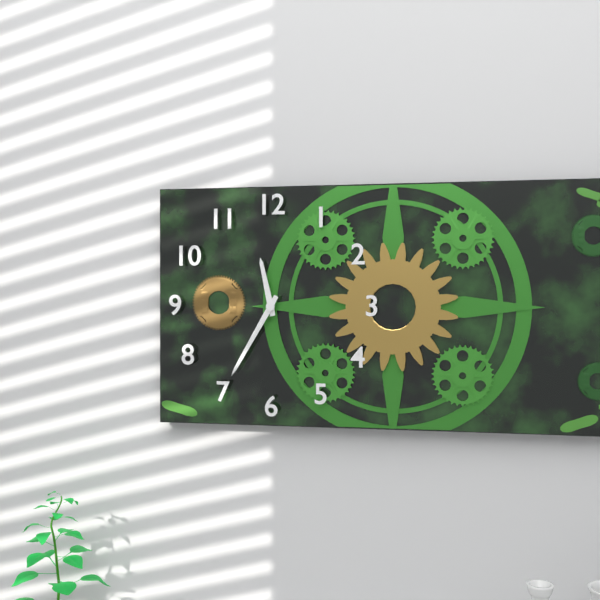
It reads 11:35
